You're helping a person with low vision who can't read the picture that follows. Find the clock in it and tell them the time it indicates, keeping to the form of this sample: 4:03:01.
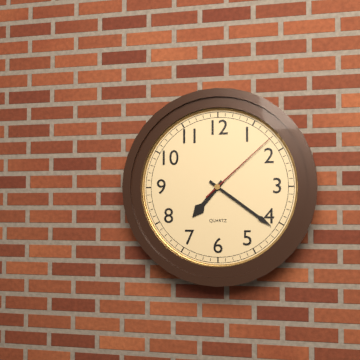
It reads 7:21:08
